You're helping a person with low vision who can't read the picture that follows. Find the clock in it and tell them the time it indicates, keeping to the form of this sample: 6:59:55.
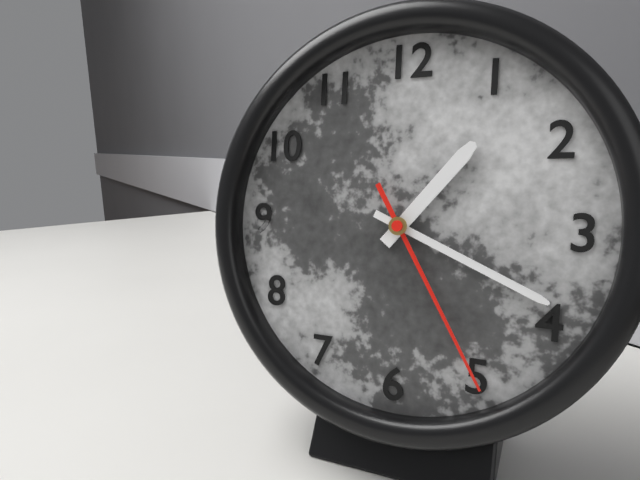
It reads 1:19:25
